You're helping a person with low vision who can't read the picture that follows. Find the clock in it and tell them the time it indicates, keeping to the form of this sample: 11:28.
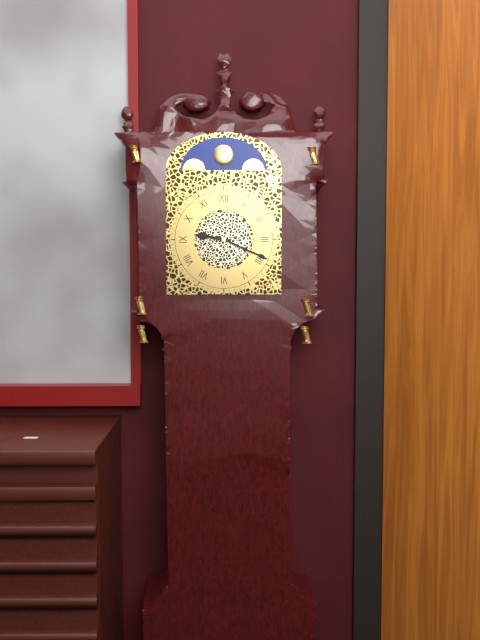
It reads 9:19
